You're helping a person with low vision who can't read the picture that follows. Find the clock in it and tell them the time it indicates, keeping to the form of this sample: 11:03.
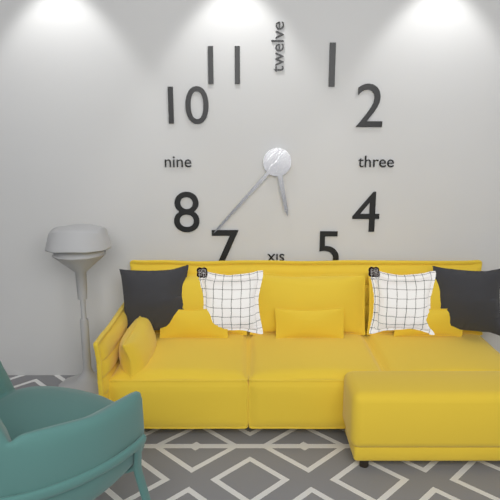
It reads 5:37
